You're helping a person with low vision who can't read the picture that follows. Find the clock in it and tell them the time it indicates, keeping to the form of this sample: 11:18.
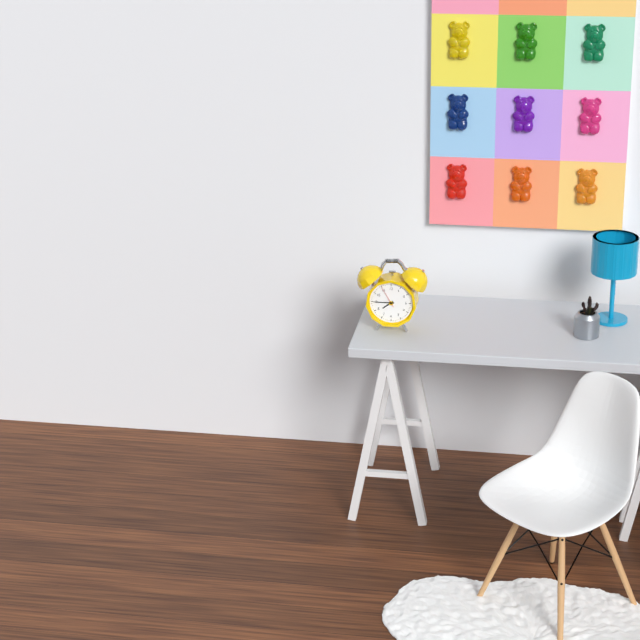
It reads 7:45
